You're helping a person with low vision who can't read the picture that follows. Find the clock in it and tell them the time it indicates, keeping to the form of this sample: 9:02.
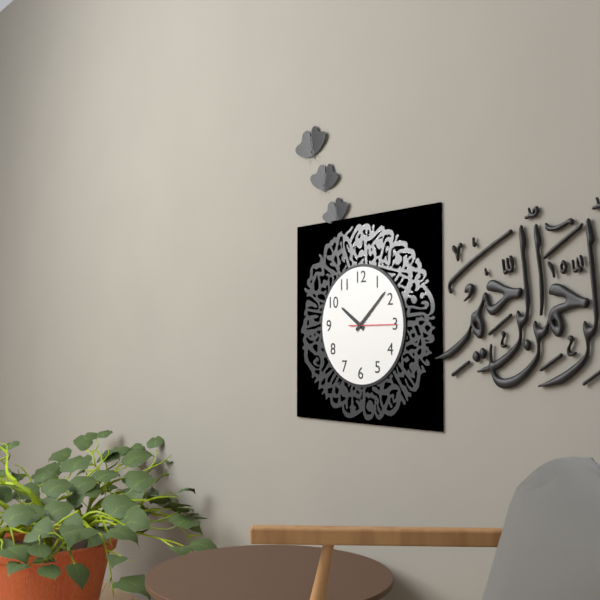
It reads 10:08
